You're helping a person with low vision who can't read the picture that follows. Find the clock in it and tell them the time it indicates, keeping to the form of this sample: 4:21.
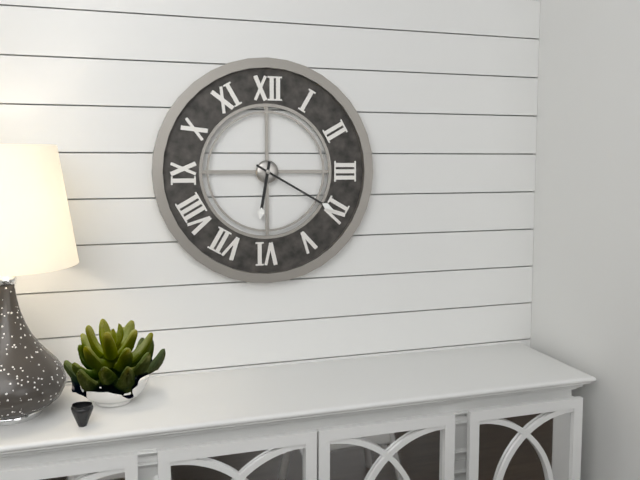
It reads 6:20
